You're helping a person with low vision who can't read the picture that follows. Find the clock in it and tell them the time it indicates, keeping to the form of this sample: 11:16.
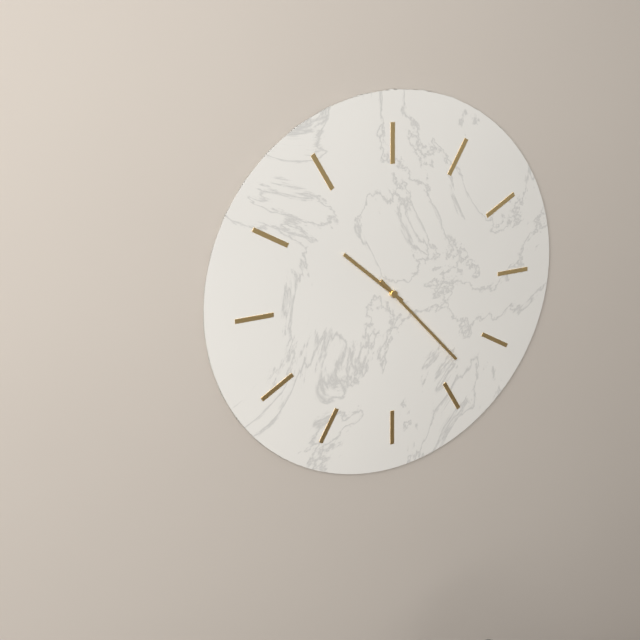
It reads 10:23
